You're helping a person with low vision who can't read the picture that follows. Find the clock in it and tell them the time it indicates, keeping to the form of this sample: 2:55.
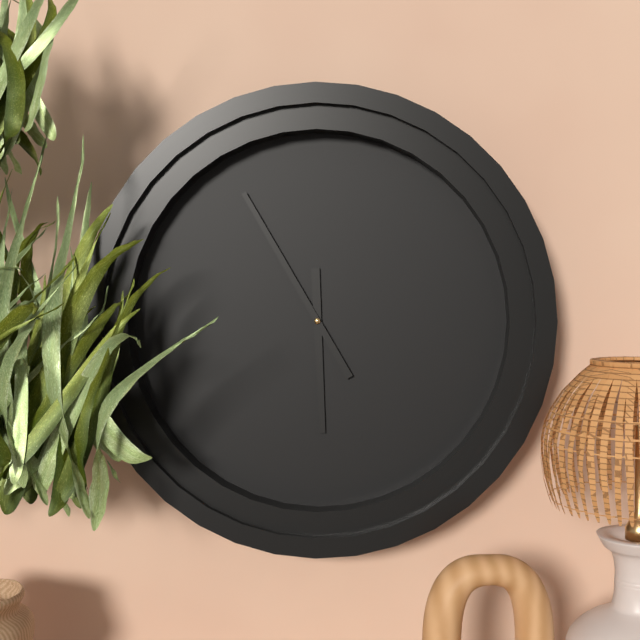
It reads 5:55
